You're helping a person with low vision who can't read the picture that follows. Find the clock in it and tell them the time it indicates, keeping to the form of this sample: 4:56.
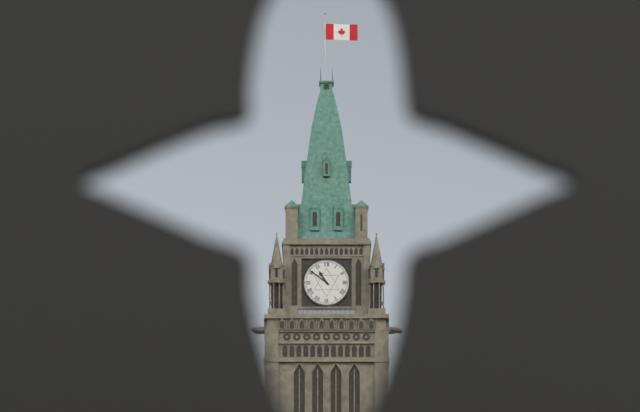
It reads 10:51
